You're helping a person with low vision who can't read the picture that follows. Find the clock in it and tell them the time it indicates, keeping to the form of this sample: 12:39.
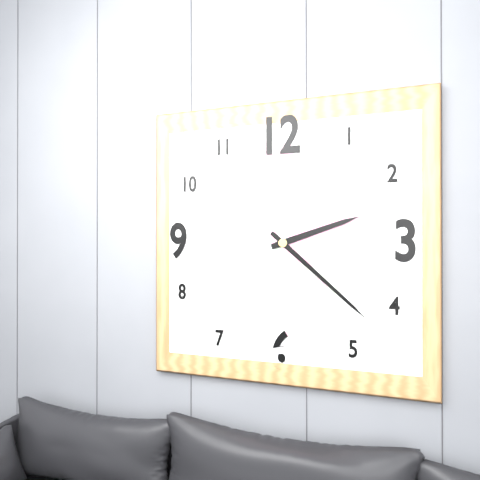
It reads 2:22
